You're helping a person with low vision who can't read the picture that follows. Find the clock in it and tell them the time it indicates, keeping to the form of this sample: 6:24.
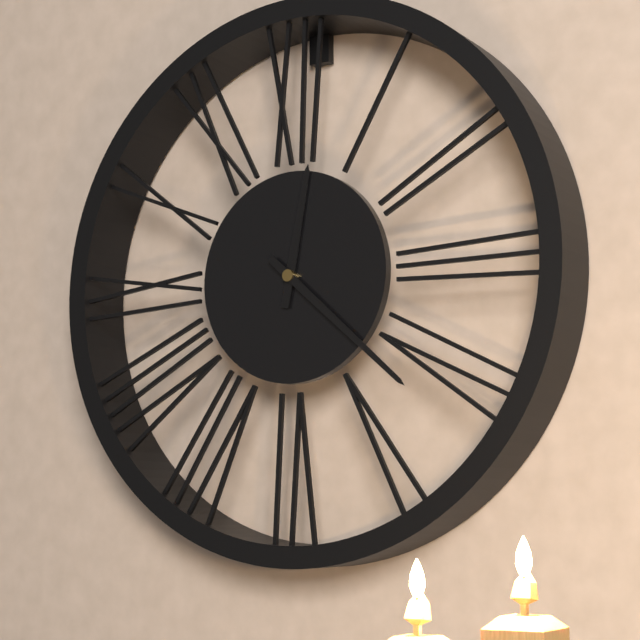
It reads 12:22
